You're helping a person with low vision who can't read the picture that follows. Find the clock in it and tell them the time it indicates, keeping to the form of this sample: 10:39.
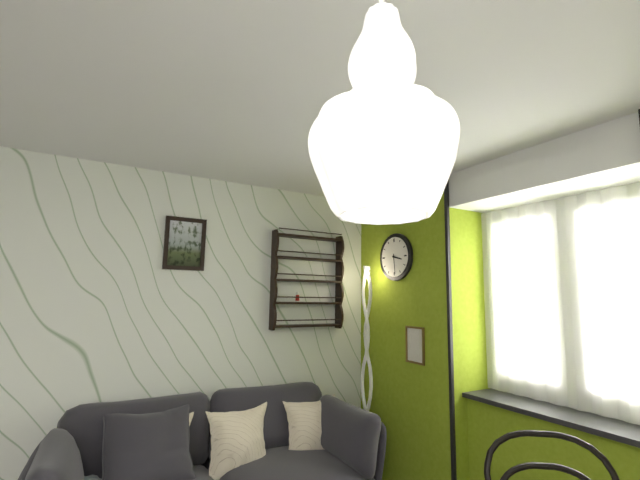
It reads 3:29
